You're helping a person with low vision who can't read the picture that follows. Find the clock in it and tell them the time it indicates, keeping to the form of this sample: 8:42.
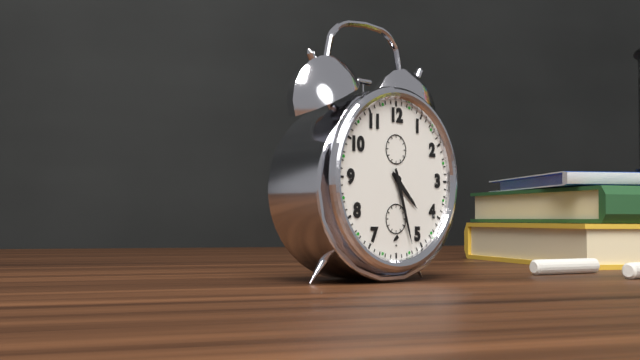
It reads 4:27
